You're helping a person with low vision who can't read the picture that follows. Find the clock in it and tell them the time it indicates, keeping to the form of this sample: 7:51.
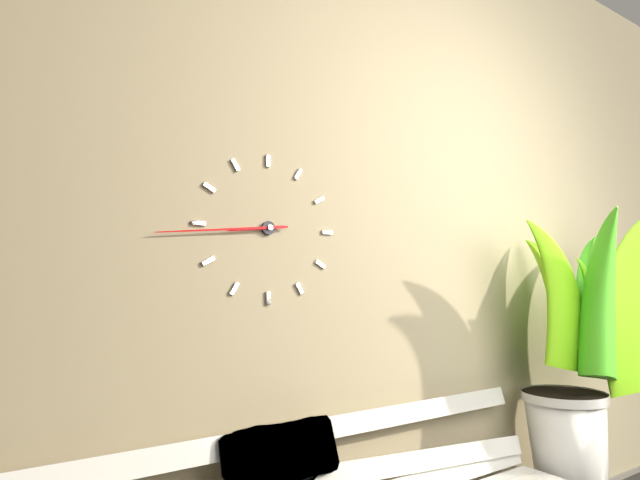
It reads 8:44
